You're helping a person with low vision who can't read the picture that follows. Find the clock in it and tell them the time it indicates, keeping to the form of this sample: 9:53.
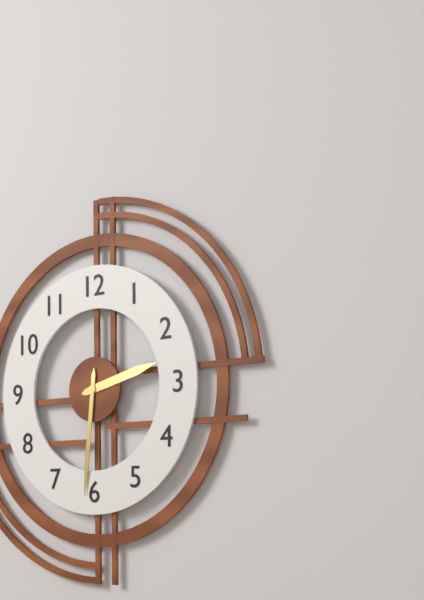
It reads 2:31
